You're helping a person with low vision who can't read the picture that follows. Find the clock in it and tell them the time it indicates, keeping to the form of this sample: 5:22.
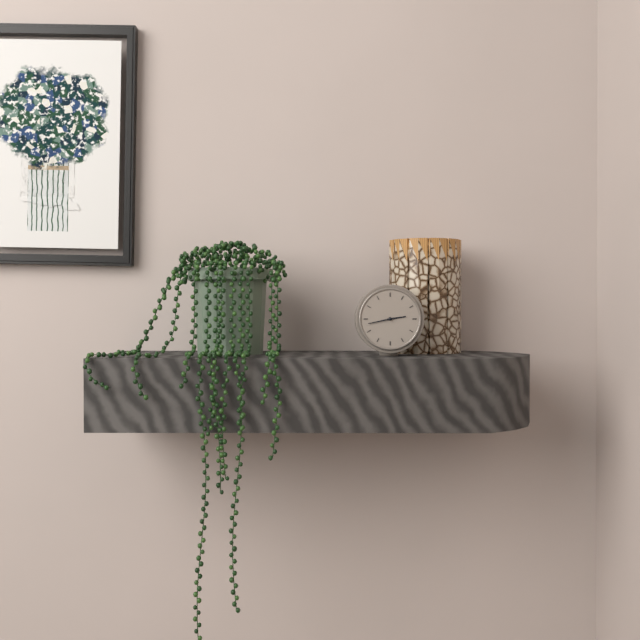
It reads 2:43
